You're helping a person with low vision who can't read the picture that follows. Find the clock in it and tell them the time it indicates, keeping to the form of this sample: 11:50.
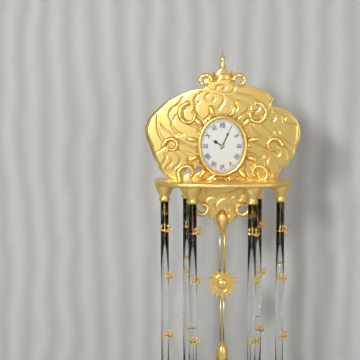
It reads 10:04
